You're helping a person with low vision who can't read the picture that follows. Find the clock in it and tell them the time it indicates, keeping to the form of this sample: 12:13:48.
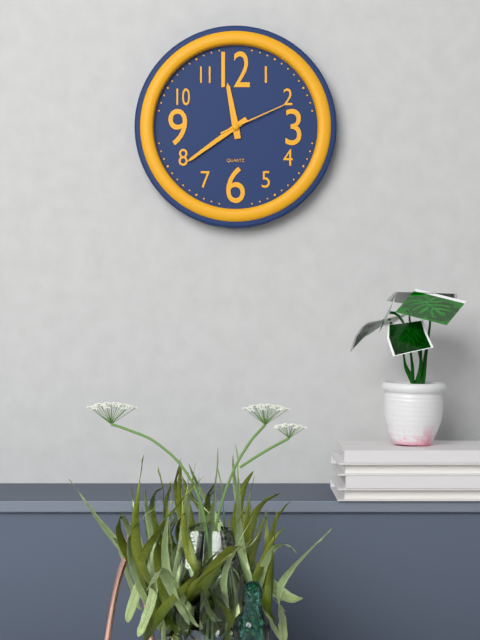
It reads 11:39:11
